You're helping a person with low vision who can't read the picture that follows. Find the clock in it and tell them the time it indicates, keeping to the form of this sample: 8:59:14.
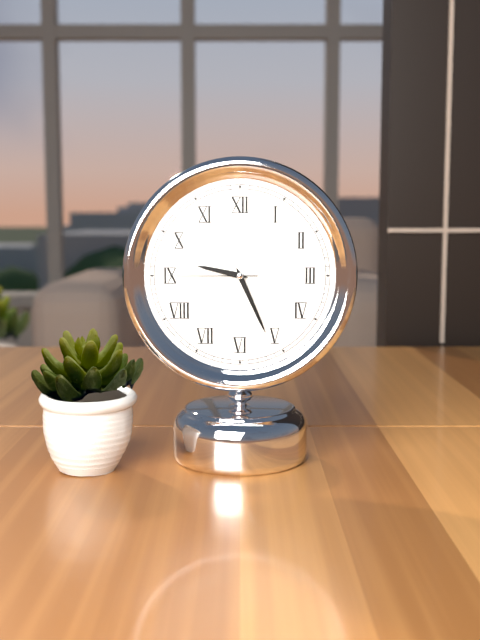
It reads 9:26:45
